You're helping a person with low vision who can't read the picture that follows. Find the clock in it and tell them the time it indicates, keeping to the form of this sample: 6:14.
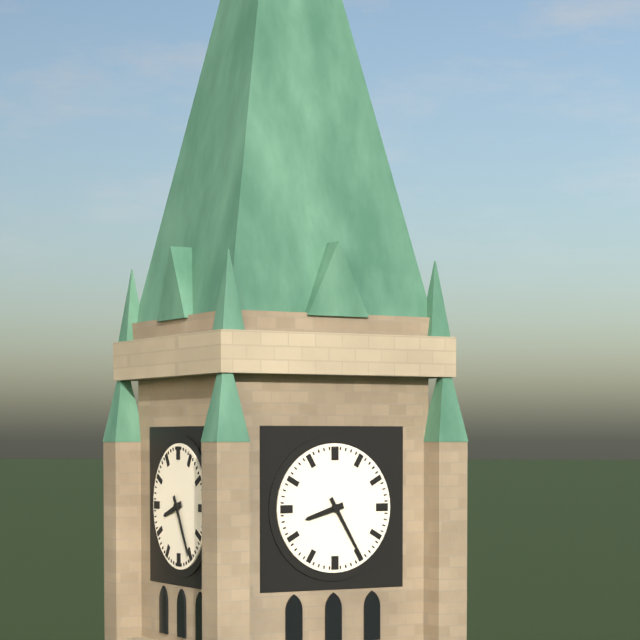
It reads 8:25
